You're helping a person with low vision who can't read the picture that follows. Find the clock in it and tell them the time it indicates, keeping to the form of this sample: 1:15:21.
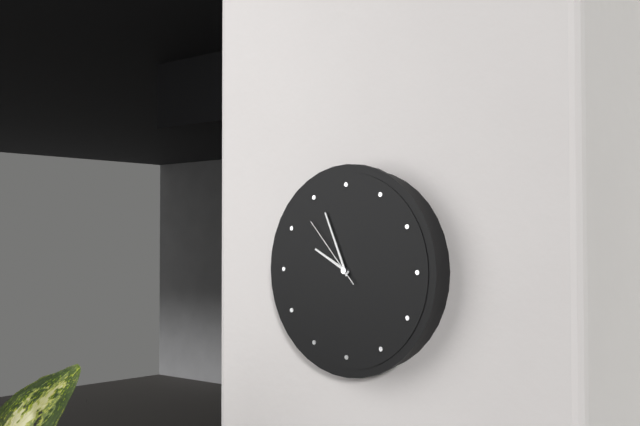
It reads 9:56:53
